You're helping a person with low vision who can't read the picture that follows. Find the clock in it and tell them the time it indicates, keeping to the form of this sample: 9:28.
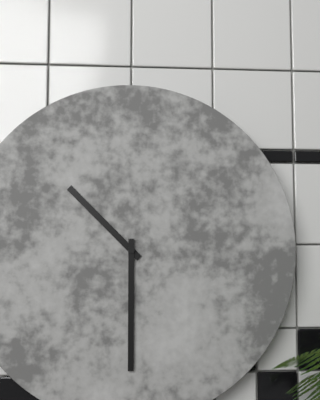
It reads 10:30
